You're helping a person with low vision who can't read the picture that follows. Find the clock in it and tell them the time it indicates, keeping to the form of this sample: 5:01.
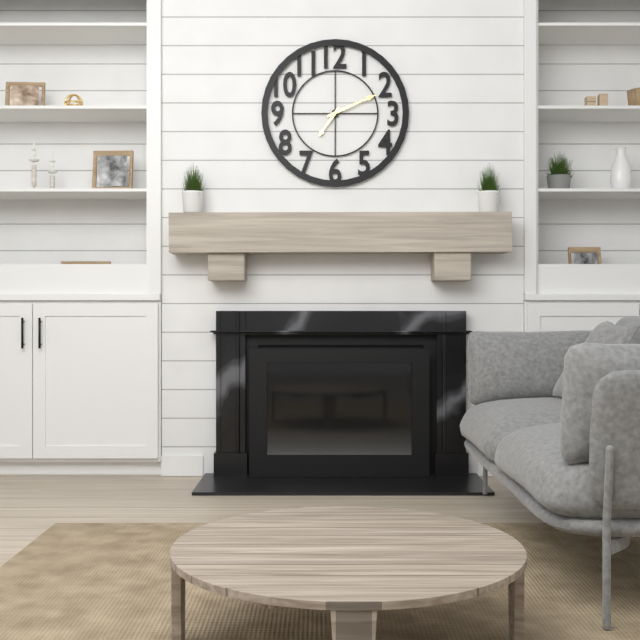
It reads 7:11
